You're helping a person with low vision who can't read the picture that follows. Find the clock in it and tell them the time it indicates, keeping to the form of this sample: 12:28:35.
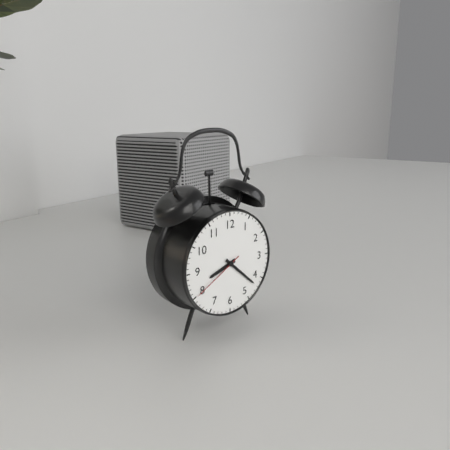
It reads 8:22:40
